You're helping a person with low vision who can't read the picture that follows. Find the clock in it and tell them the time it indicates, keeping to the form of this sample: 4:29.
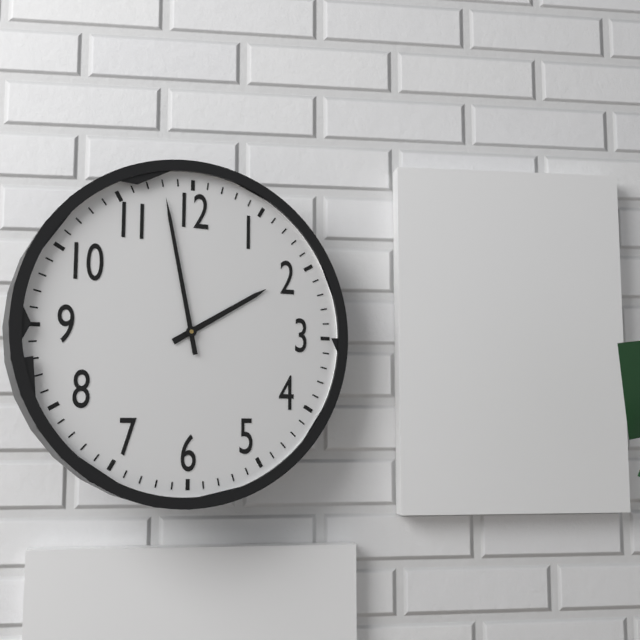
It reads 1:58
